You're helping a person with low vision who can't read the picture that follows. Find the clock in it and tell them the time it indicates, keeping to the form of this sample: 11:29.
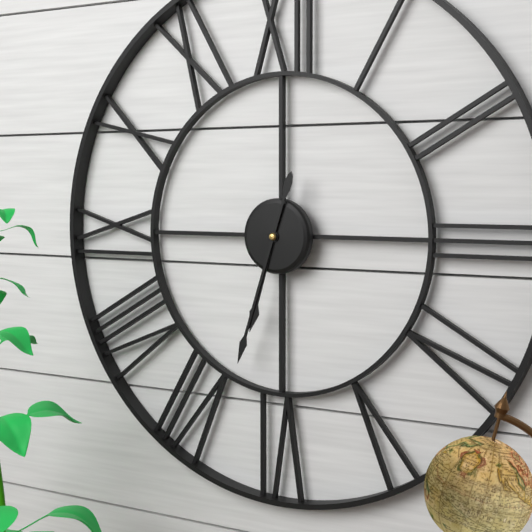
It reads 6:33
